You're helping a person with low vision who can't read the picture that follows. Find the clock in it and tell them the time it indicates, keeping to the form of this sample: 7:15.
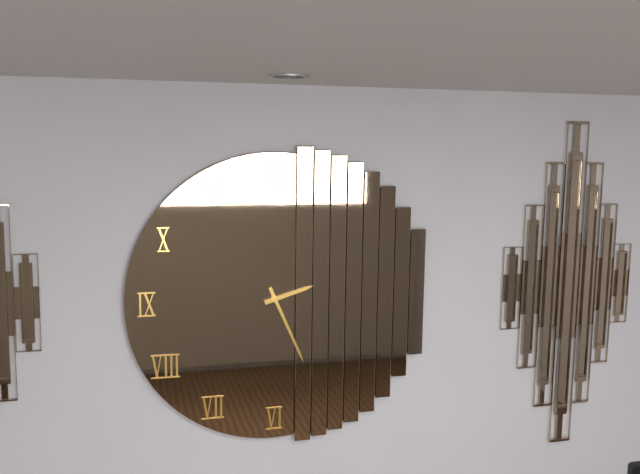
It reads 2:26
